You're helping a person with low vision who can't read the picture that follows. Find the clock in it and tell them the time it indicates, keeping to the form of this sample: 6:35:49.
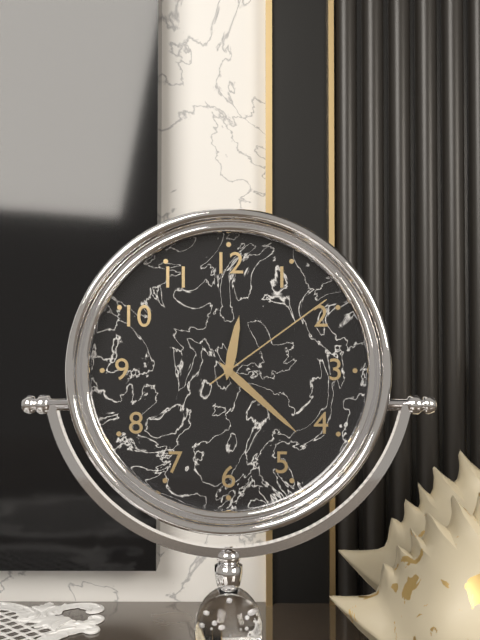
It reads 12:22:09
